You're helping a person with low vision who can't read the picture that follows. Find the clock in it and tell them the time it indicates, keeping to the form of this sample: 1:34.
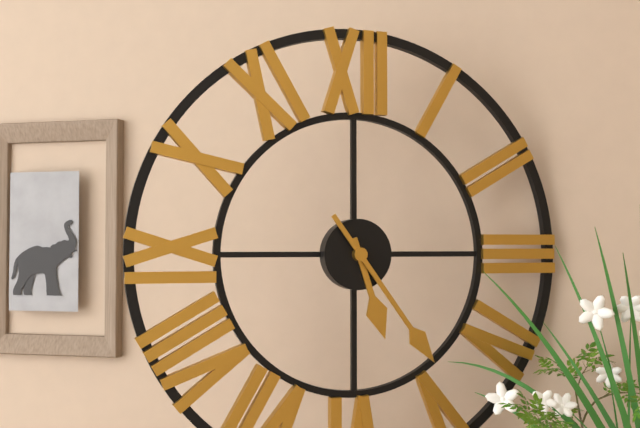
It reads 5:24
